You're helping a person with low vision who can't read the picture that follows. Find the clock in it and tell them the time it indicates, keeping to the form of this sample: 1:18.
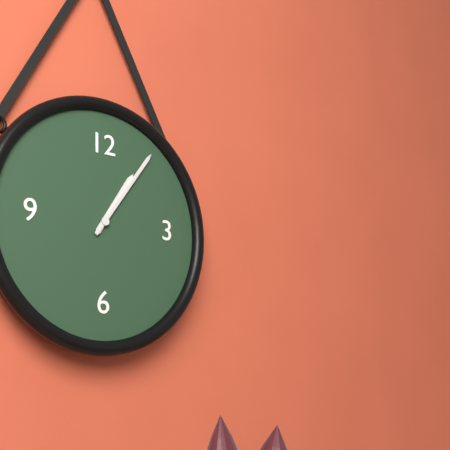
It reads 1:06
